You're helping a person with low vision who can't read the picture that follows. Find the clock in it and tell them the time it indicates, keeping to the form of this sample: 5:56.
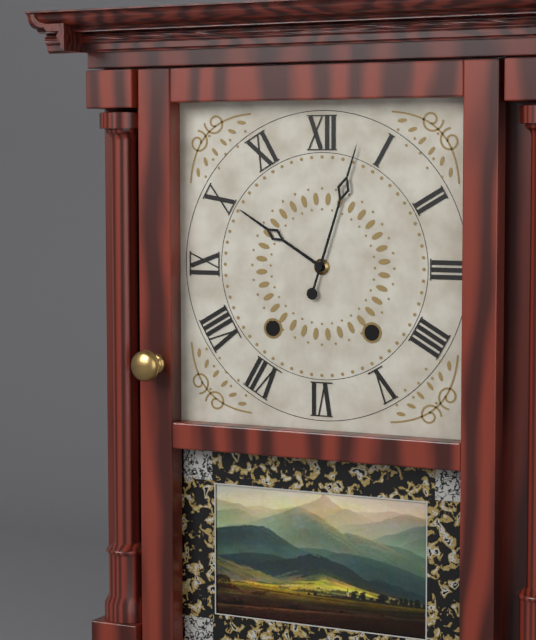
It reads 10:03
